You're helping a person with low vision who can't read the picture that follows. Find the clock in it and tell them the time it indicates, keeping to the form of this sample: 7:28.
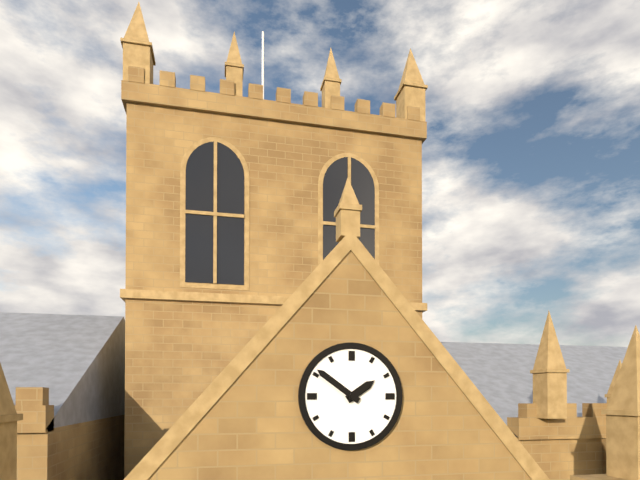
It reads 1:51
